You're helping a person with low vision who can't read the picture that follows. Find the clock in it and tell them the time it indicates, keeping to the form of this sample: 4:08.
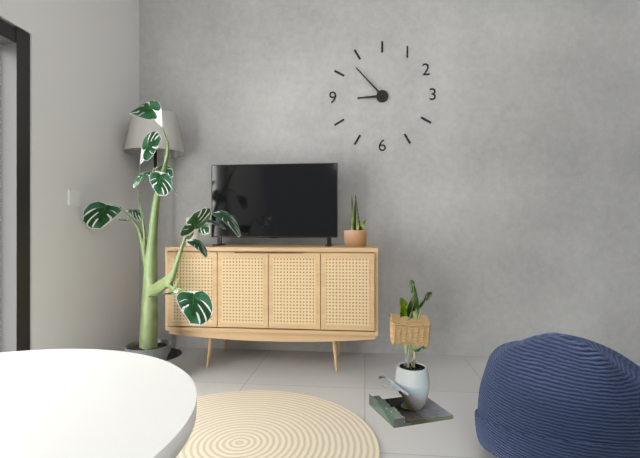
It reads 8:53
